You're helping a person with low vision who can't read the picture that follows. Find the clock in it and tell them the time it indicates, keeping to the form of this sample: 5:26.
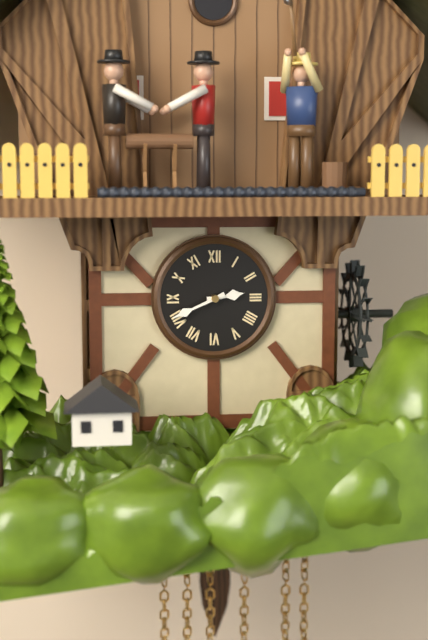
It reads 2:41
